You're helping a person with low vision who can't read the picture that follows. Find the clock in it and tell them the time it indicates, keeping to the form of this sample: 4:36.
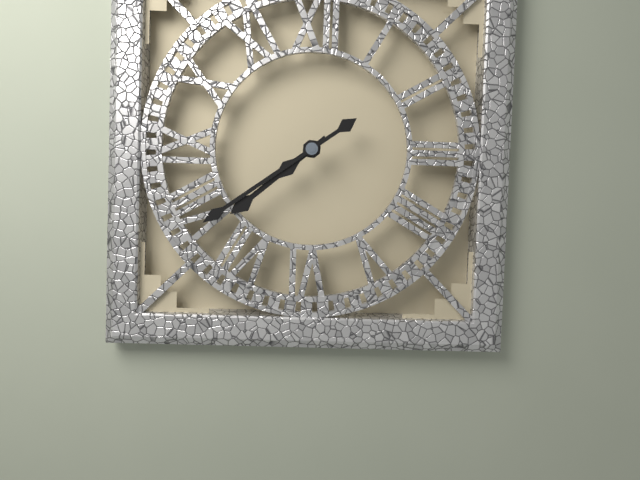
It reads 7:39
